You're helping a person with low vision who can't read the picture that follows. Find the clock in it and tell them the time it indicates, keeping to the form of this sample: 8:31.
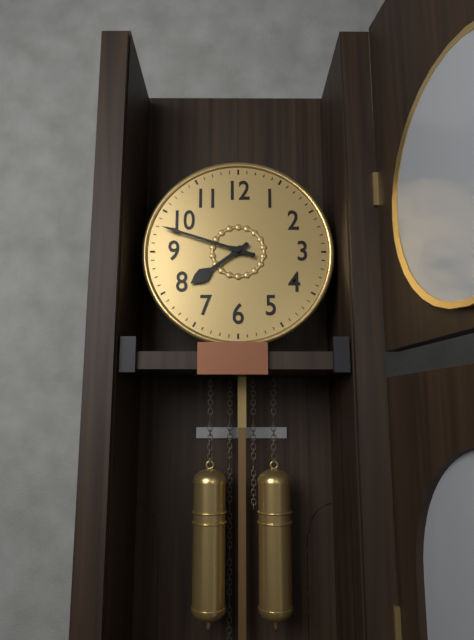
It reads 7:48
